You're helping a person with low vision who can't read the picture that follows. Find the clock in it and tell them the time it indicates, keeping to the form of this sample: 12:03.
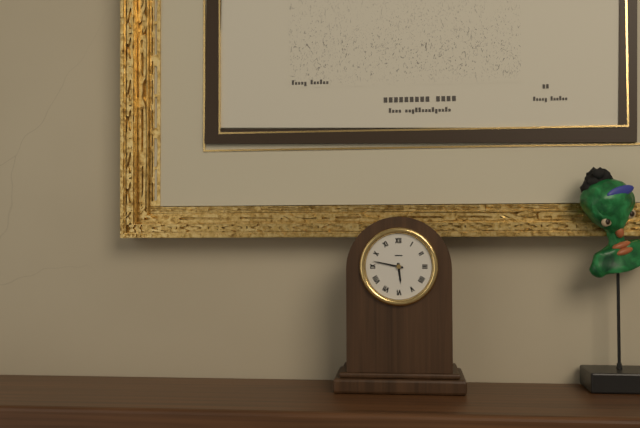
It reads 5:47
